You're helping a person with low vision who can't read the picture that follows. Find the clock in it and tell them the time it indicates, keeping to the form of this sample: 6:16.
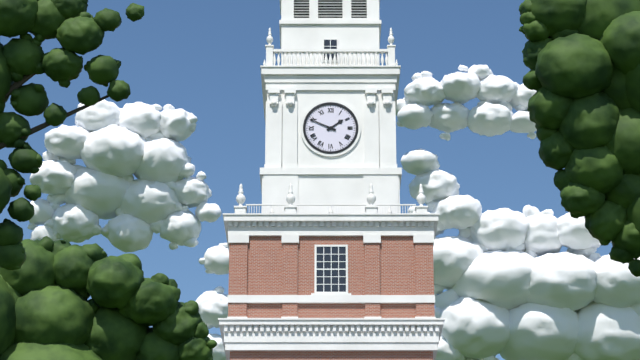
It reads 1:49
